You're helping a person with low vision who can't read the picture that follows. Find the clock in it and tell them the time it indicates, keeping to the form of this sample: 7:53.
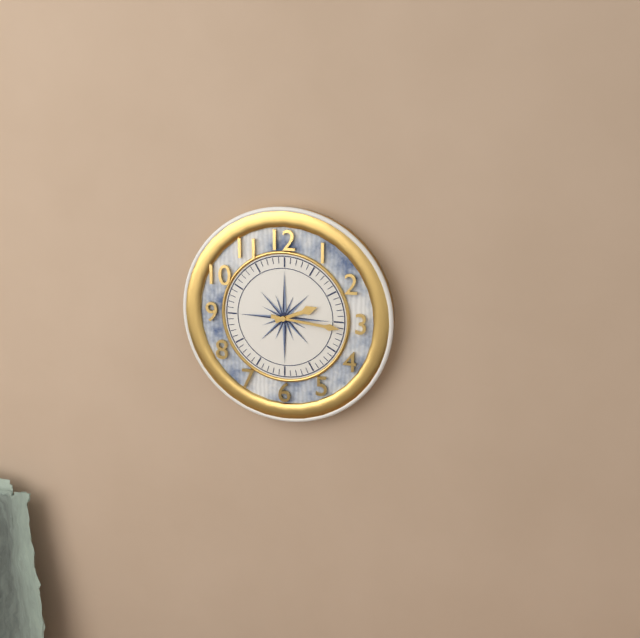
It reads 2:16
